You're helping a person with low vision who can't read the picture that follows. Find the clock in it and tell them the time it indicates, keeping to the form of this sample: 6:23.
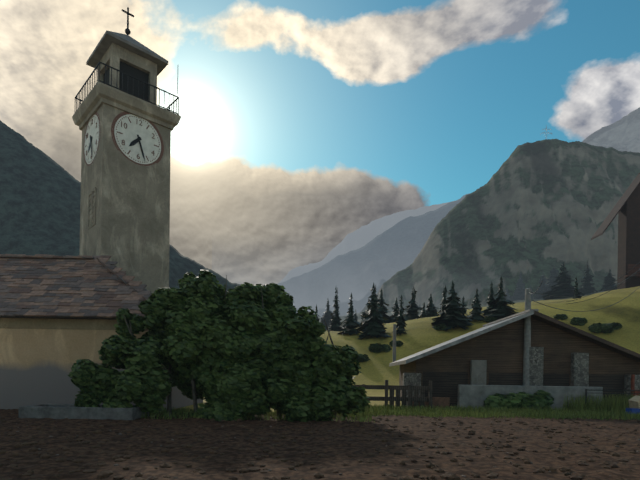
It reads 7:27
